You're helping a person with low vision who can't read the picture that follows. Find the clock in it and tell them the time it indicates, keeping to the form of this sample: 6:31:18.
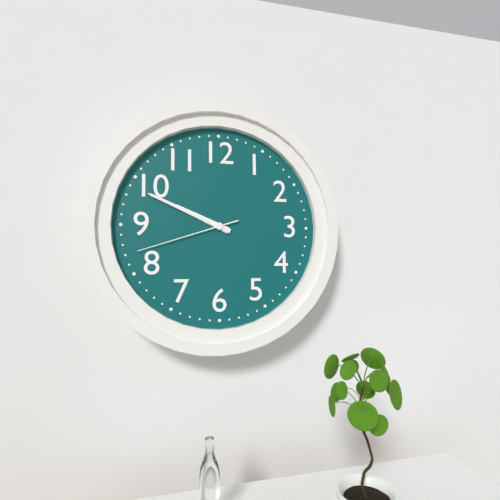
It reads 9:49:42
